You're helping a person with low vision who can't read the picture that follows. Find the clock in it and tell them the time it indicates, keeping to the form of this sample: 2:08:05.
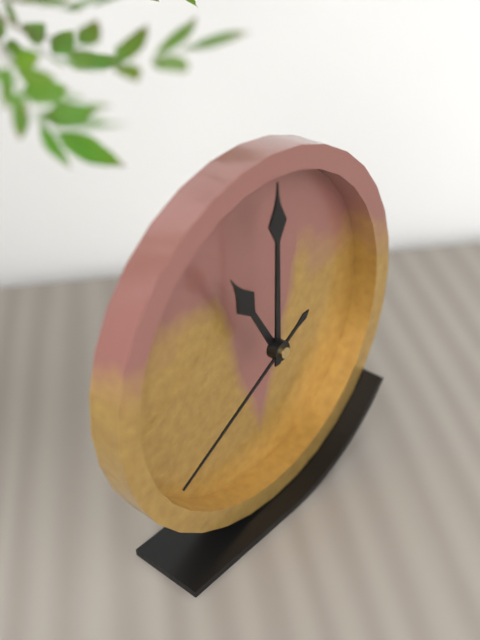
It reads 11:00:40
